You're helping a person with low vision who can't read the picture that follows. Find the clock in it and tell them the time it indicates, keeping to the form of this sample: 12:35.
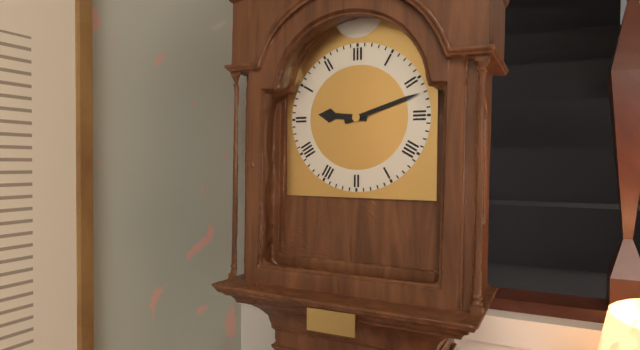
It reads 9:12
